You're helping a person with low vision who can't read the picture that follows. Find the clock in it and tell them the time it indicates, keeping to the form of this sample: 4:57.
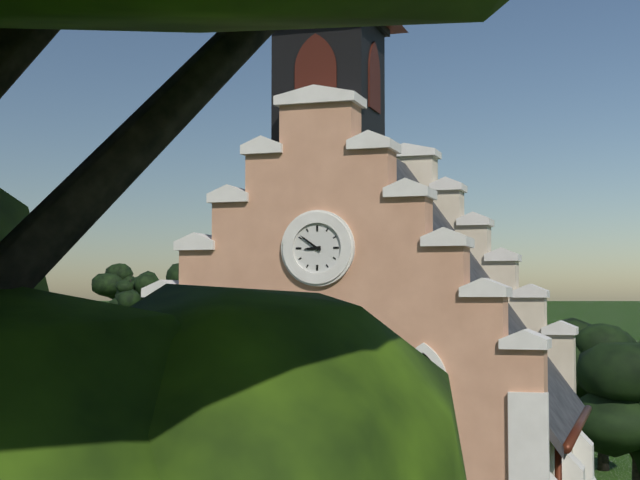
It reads 8:51
